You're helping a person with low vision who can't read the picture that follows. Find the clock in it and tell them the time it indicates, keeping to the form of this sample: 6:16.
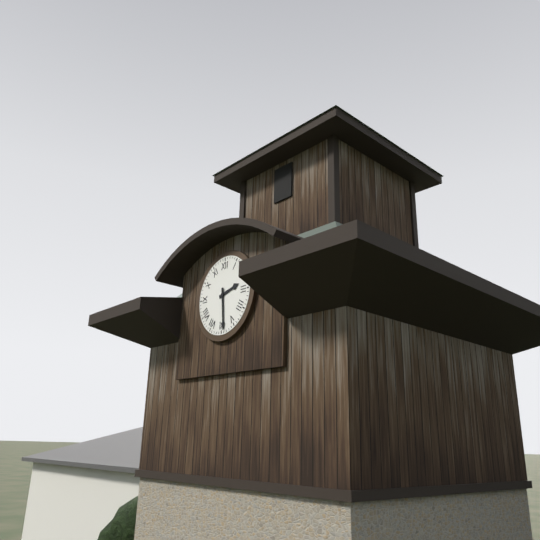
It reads 2:29
